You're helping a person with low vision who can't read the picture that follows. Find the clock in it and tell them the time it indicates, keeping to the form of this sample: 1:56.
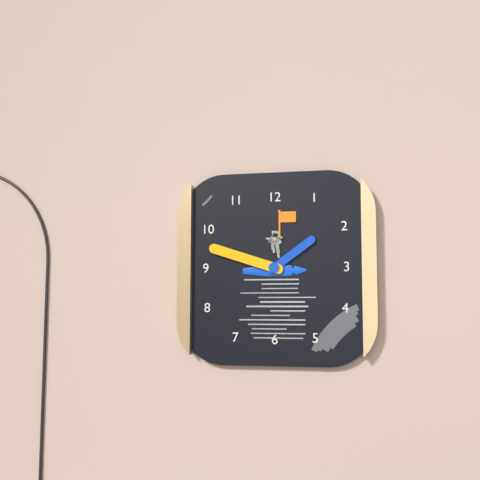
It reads 1:48
